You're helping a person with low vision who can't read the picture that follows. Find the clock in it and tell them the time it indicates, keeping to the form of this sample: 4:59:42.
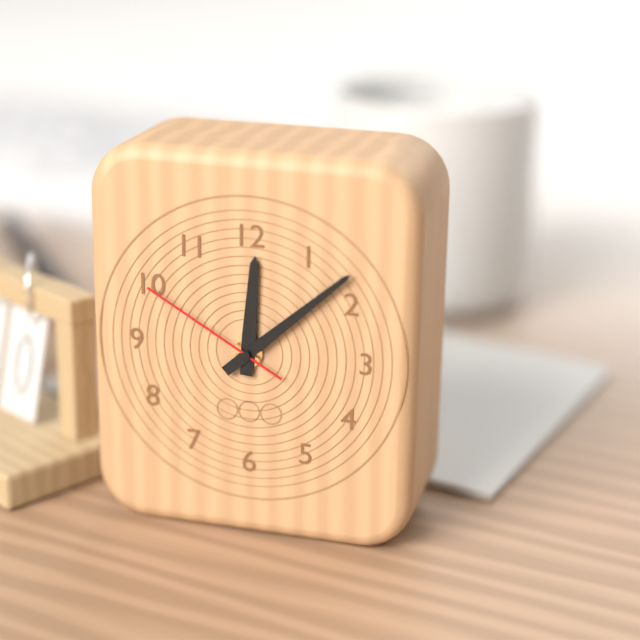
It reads 12:08:50
